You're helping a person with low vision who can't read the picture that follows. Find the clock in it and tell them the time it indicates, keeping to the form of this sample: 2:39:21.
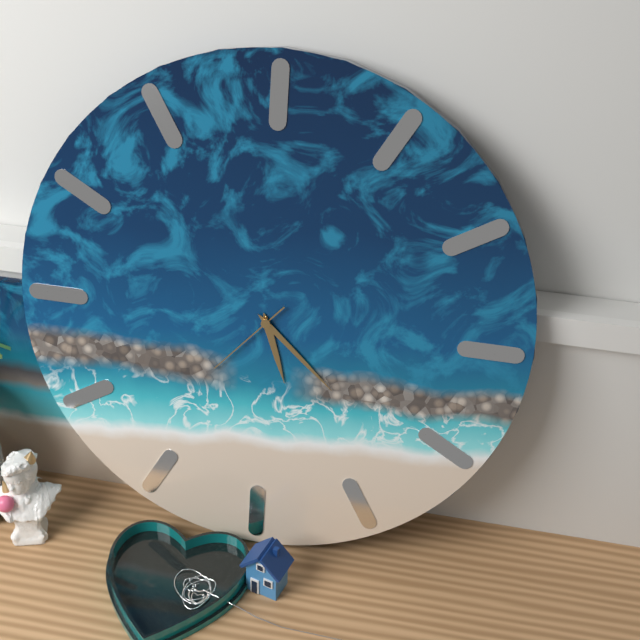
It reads 5:22:37
